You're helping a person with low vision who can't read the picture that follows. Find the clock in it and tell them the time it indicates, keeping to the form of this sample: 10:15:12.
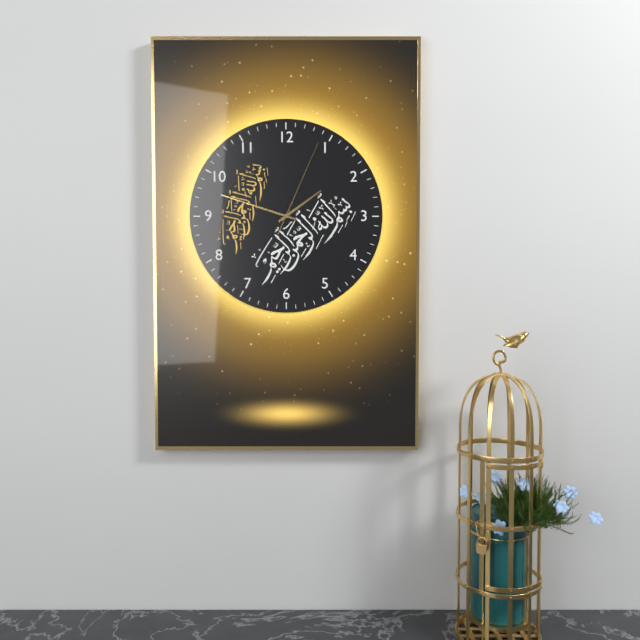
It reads 1:48:04
